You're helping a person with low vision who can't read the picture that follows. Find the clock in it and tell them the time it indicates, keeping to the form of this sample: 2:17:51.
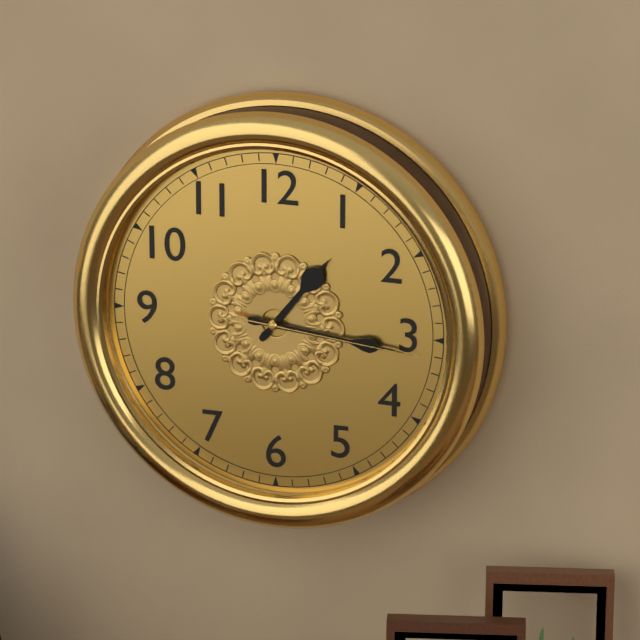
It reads 1:16:16
